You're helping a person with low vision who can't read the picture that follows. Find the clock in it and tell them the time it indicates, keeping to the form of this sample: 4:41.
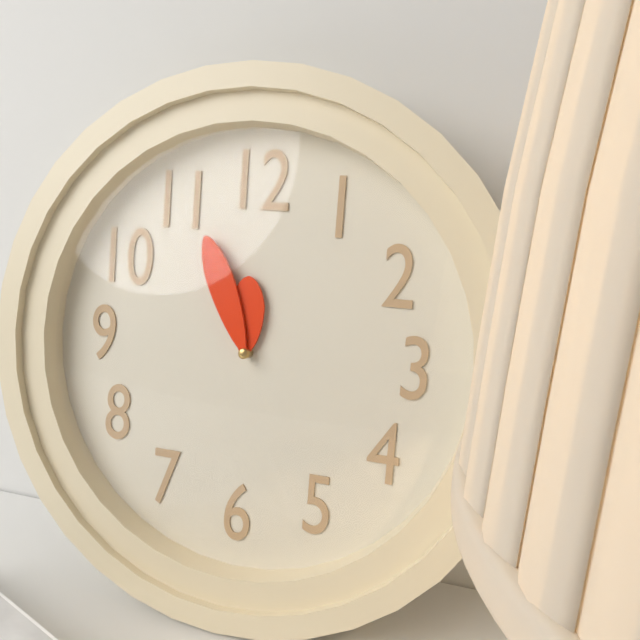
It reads 11:56
